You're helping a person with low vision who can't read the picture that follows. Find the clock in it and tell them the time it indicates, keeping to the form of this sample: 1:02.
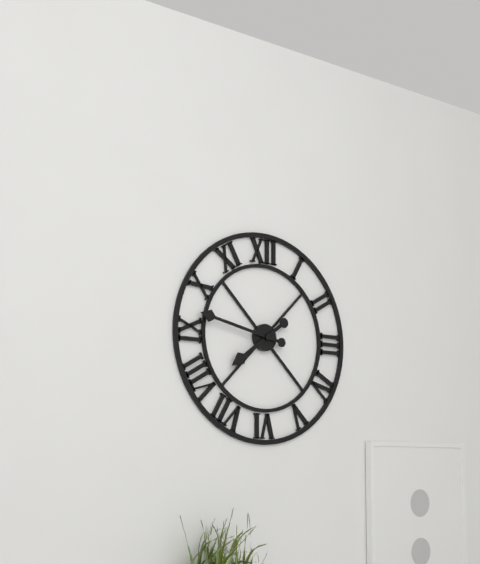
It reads 7:47
